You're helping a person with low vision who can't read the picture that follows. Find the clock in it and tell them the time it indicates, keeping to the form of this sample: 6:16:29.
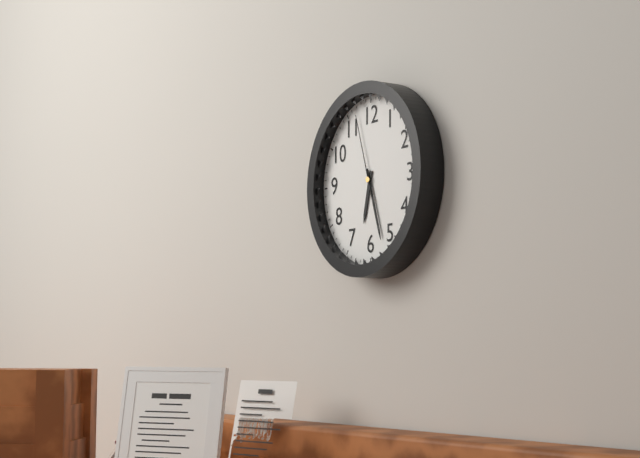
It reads 6:27:57
